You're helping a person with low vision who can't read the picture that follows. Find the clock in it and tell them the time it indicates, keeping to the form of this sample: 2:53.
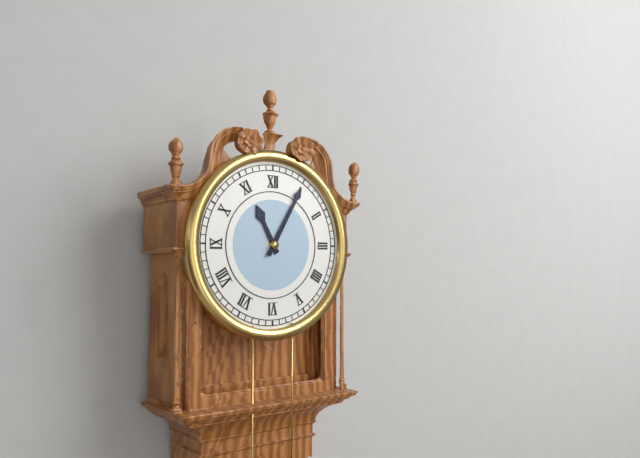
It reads 11:05
